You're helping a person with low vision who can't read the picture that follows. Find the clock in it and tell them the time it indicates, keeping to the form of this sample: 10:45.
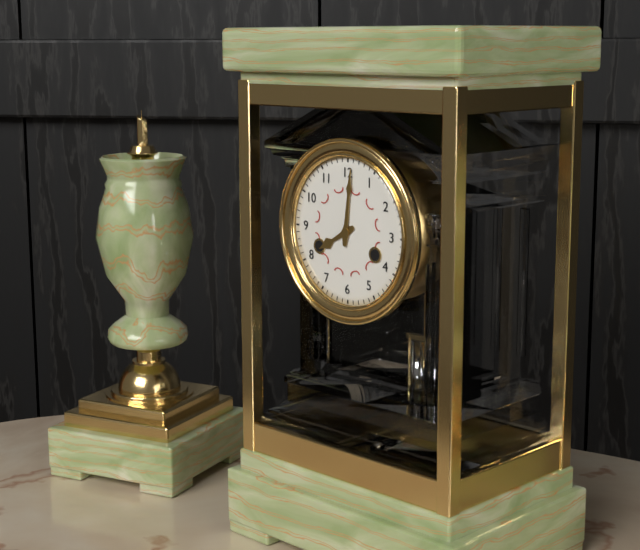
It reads 8:01
